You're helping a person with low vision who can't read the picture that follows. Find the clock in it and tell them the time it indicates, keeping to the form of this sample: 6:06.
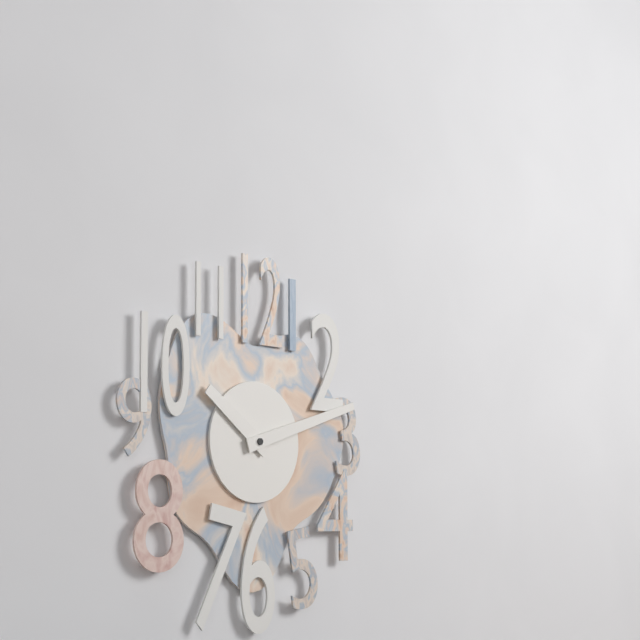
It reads 10:12
